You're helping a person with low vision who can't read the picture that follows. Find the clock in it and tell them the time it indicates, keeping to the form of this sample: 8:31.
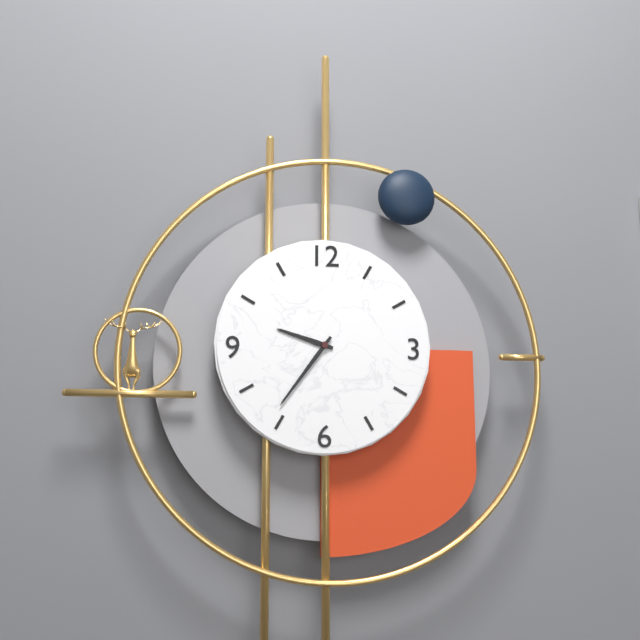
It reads 9:36
